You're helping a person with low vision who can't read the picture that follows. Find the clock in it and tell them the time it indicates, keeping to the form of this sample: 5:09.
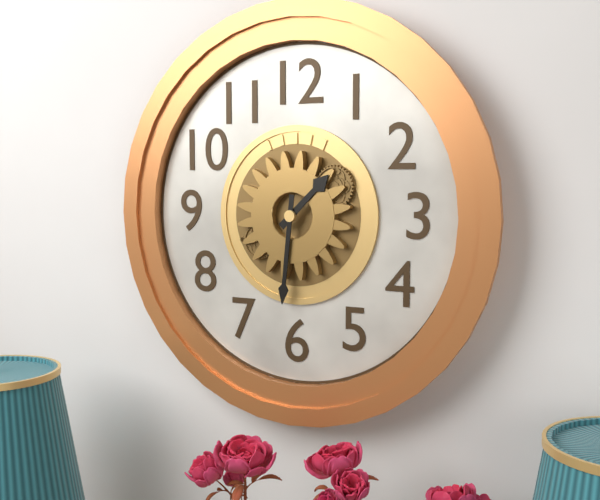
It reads 1:31
